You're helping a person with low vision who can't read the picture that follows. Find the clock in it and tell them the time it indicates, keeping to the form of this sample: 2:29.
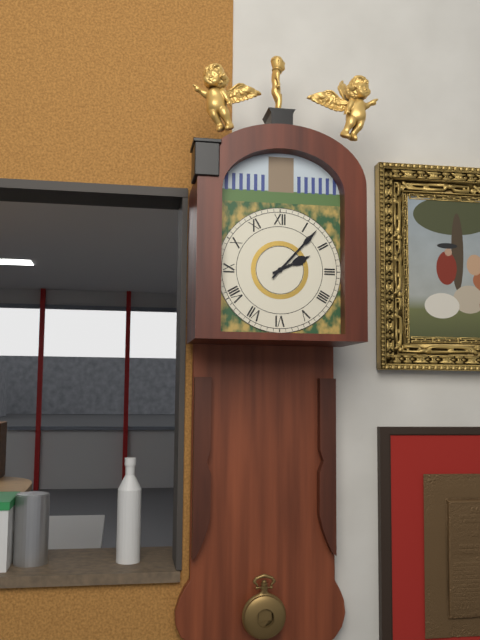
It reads 2:07
